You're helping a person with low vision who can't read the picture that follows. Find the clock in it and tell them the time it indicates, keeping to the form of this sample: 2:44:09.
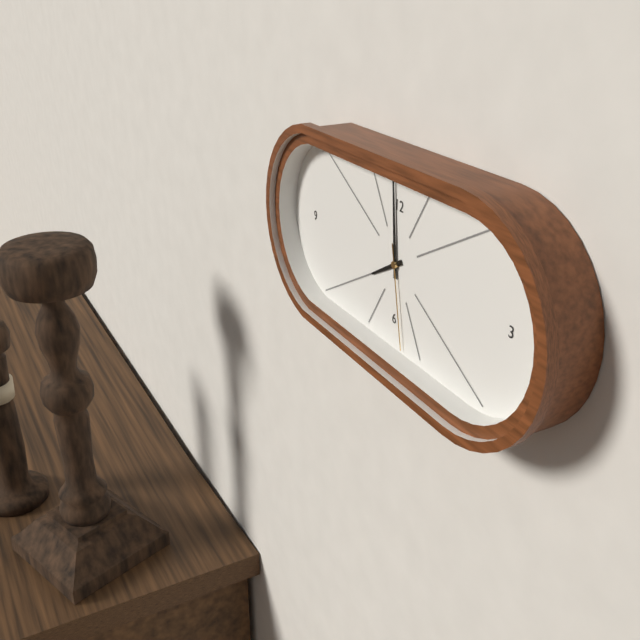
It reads 7:59:28
